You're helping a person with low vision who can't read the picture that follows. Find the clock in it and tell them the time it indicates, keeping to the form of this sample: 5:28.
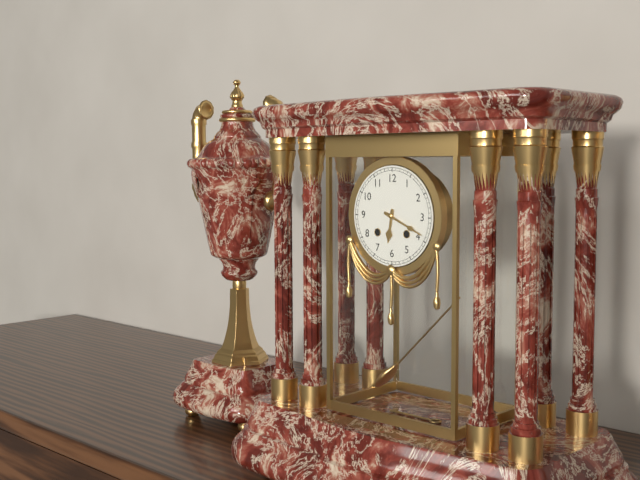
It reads 6:19
